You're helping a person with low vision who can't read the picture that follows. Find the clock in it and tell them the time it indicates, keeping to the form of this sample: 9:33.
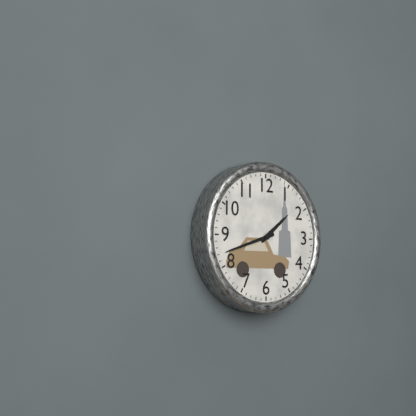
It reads 1:42
